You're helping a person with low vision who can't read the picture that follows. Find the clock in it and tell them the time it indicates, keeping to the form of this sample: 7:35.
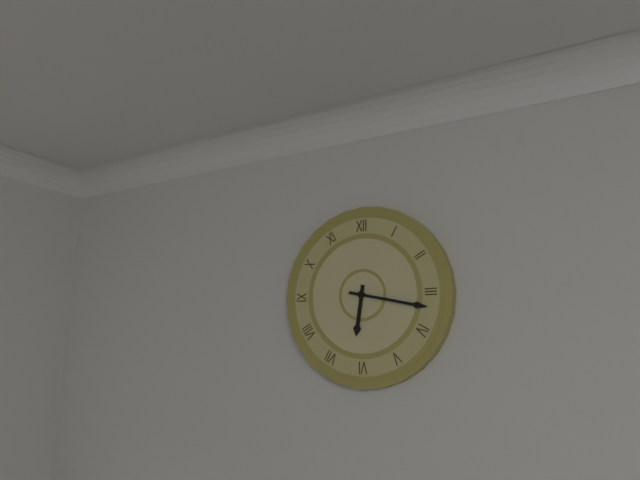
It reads 6:17
